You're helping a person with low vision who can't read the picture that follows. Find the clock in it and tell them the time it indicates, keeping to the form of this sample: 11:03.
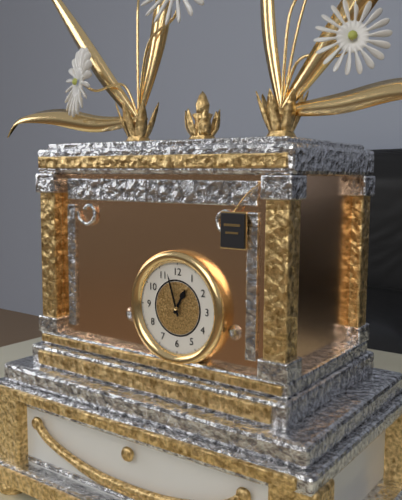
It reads 12:57
